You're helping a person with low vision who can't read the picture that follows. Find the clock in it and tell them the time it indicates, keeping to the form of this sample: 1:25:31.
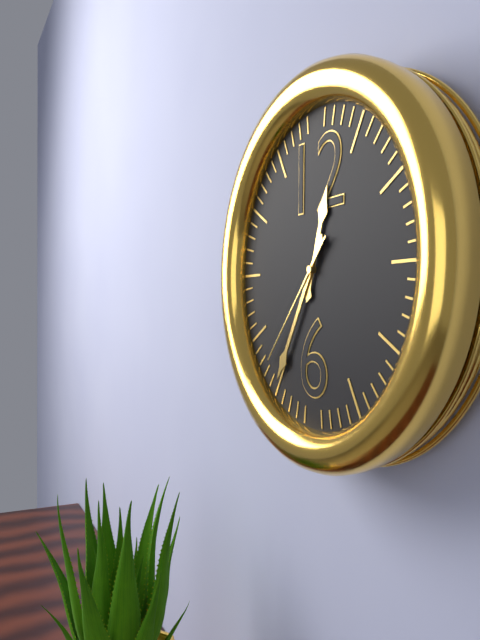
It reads 12:35:37
